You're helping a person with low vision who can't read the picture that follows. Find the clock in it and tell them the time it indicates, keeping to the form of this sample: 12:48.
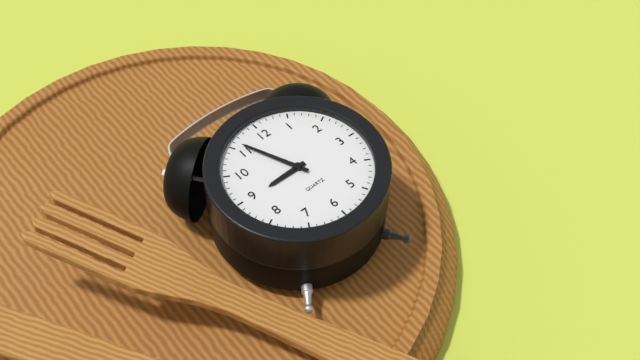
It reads 8:56
